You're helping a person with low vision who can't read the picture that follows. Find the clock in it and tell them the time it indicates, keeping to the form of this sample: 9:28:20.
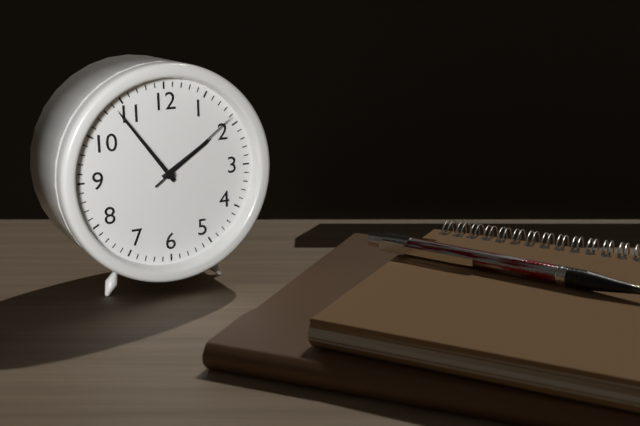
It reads 1:54:09
